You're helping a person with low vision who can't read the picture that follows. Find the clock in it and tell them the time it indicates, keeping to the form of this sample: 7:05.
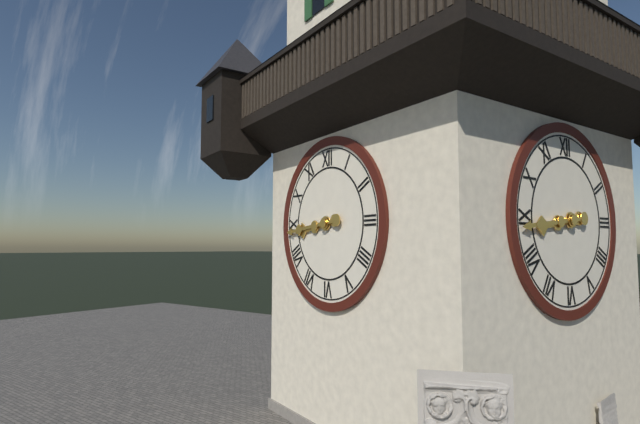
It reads 8:44
